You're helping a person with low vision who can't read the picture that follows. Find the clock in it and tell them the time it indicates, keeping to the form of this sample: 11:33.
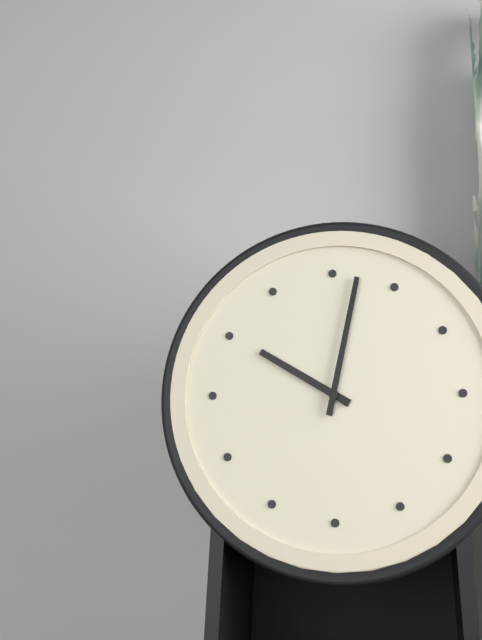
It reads 10:02
